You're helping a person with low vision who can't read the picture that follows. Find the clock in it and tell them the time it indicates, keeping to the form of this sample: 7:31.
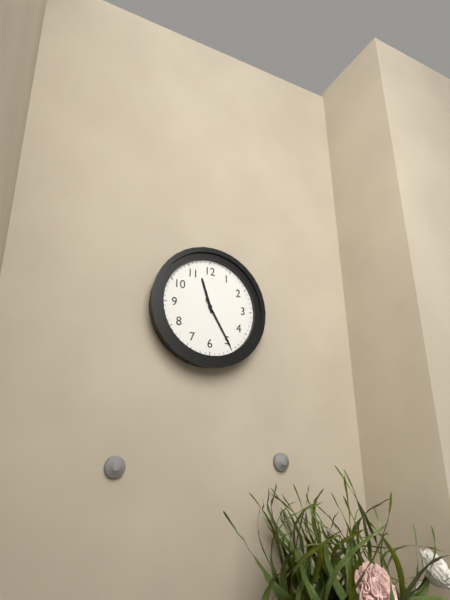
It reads 11:25
